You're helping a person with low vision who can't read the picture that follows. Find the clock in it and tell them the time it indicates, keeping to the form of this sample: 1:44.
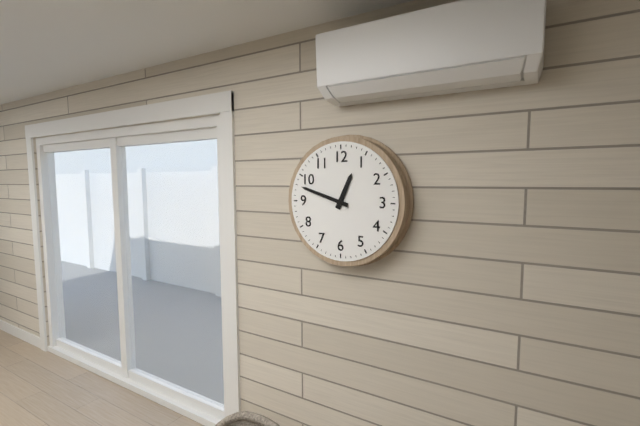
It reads 12:48
